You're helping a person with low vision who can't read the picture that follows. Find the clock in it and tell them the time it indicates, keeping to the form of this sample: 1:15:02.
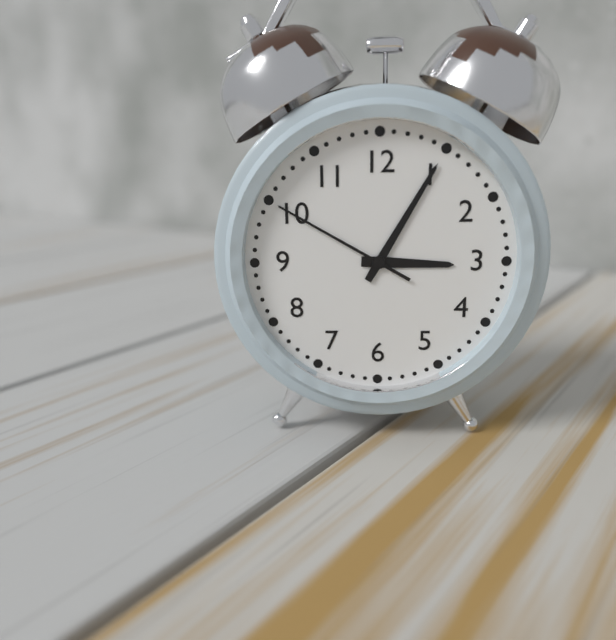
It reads 3:05:50
